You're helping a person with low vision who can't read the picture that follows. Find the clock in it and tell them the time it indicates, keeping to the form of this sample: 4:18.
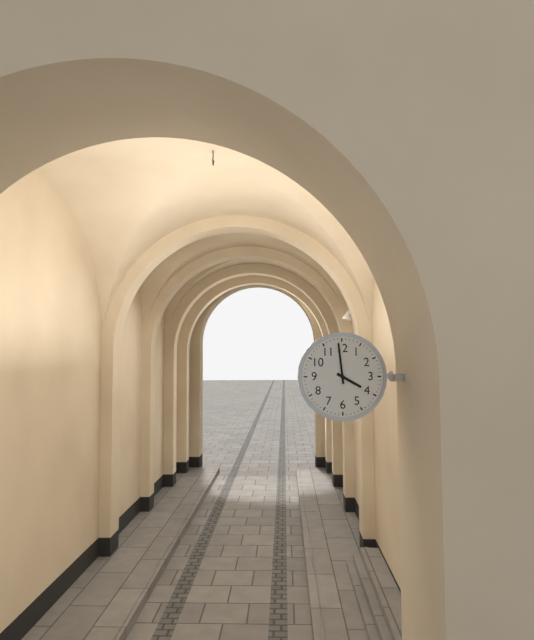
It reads 3:59
